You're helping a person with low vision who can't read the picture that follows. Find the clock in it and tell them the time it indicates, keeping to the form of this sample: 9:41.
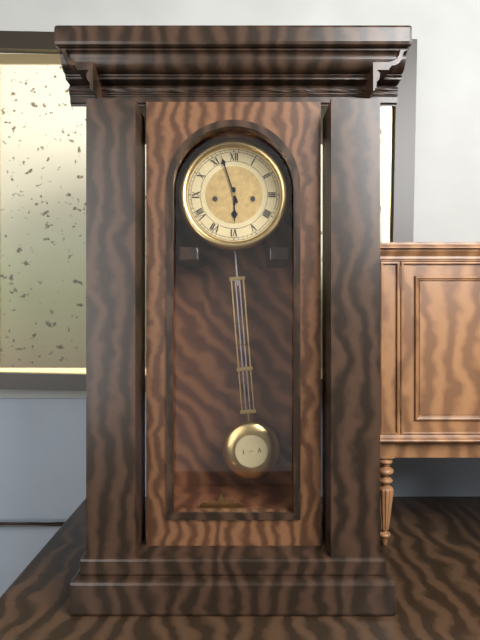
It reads 5:57
